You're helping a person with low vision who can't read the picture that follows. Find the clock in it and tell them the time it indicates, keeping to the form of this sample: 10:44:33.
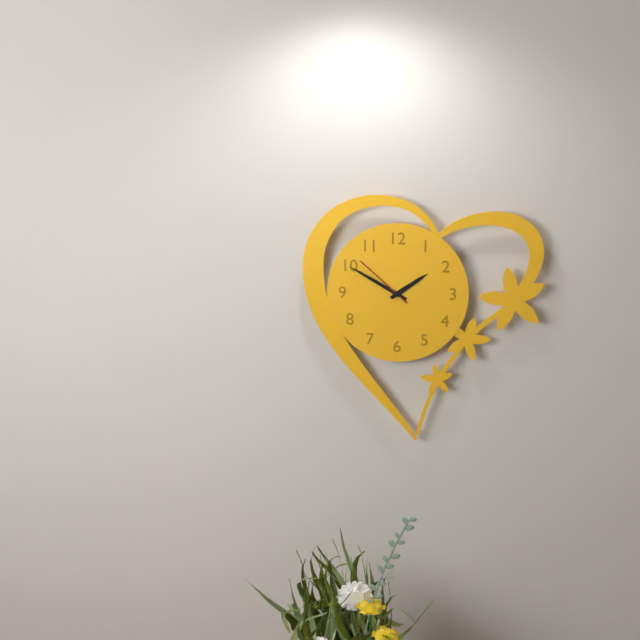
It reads 1:50:52
